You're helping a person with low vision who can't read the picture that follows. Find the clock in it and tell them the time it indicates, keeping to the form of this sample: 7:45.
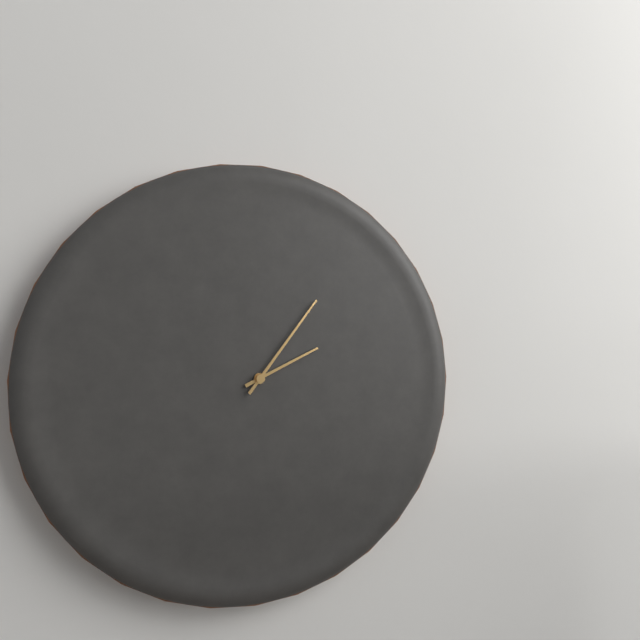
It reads 2:06
